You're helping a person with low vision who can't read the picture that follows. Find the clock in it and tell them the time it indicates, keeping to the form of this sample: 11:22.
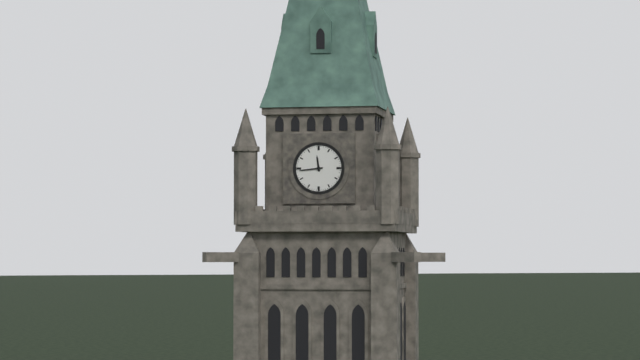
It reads 11:44
